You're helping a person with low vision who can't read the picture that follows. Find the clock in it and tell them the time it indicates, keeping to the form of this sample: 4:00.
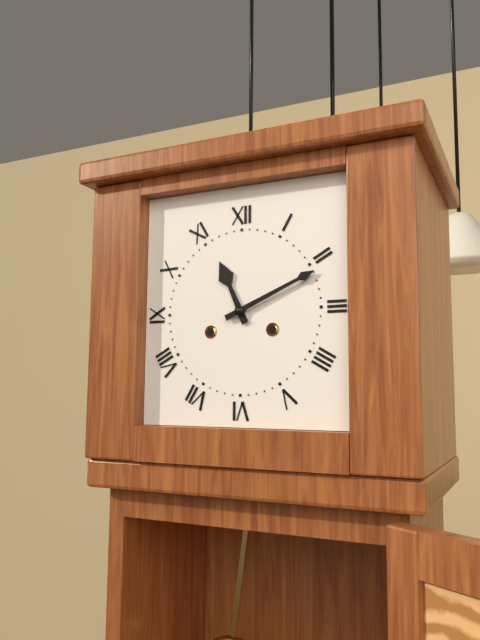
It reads 11:11
